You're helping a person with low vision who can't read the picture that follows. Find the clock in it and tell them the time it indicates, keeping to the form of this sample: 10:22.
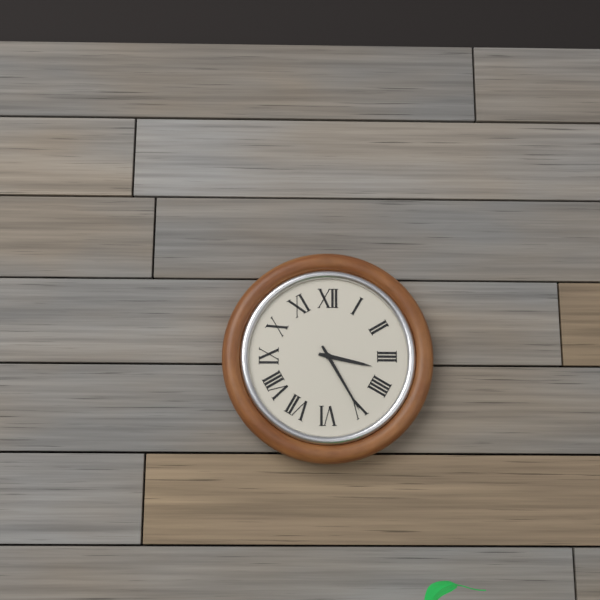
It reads 3:25
